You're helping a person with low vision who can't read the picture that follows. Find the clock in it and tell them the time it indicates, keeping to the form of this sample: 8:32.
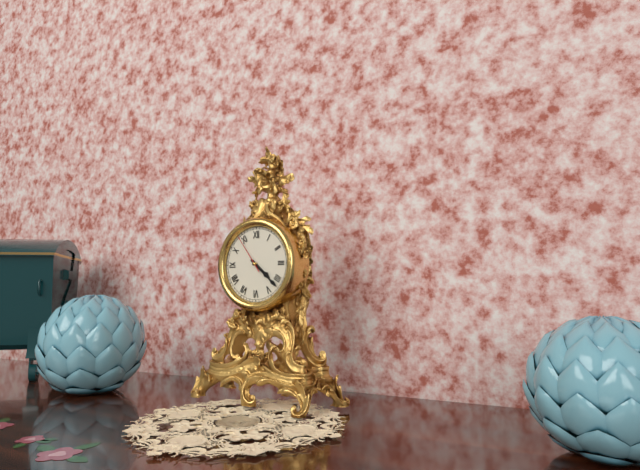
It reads 4:22
